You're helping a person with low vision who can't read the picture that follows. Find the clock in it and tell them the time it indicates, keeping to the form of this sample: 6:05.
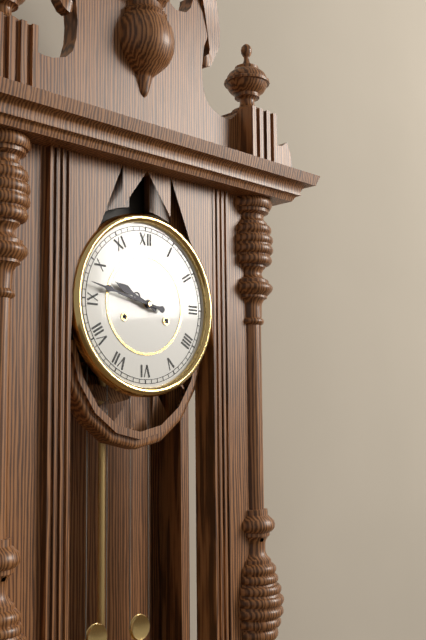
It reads 9:47
